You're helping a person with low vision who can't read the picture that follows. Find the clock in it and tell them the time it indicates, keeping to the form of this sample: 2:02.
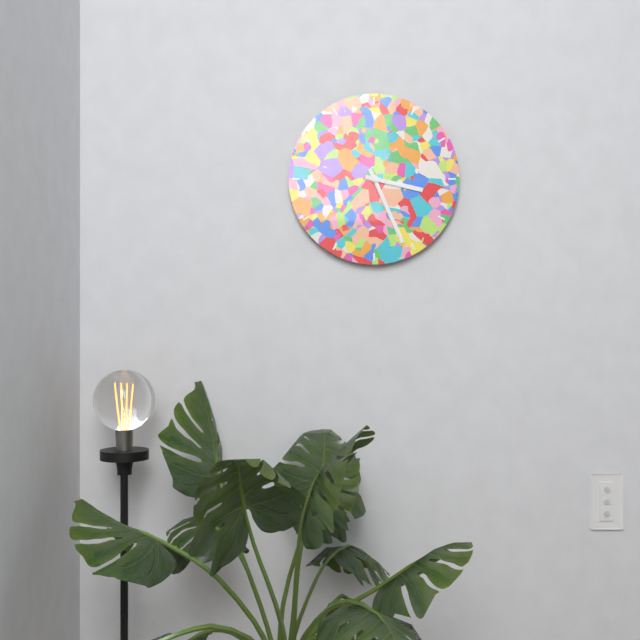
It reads 3:26
